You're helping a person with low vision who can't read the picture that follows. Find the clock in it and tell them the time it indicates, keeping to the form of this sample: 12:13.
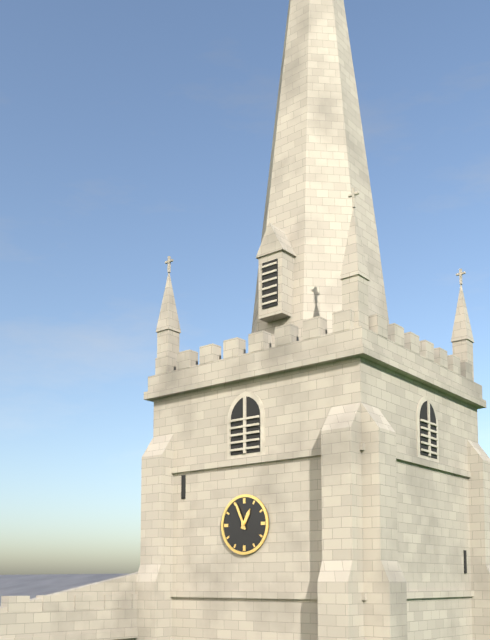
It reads 12:56
